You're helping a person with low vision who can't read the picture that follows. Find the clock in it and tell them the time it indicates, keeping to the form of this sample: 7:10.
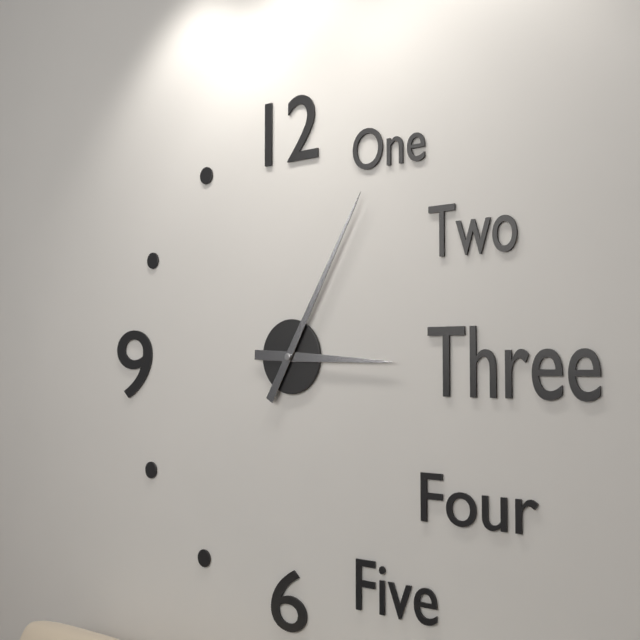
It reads 3:05
